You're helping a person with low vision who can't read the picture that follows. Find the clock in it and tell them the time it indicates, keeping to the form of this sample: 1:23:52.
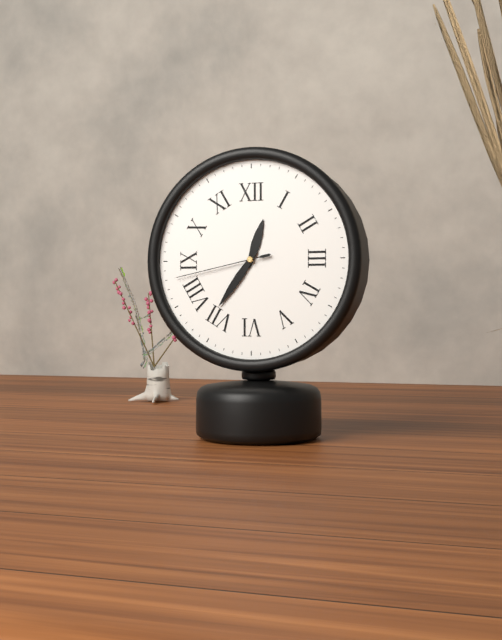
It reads 12:36:43
